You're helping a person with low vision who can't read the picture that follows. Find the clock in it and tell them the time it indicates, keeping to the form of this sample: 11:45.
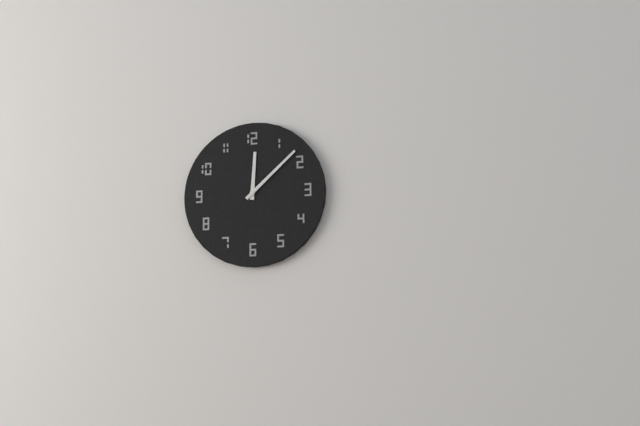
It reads 12:08
